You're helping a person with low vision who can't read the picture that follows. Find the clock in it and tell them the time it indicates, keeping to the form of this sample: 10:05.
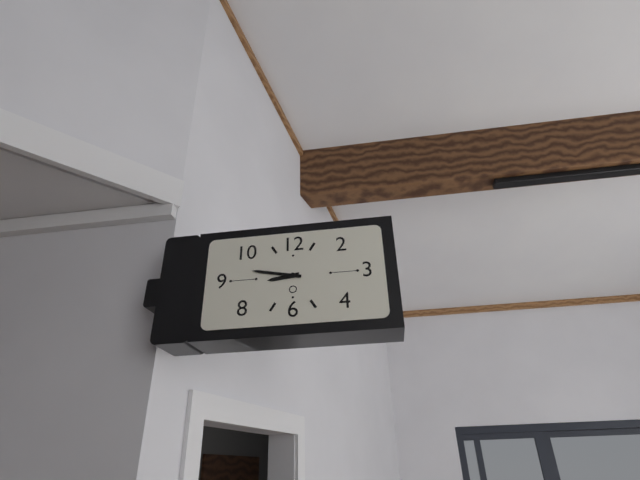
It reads 8:47
